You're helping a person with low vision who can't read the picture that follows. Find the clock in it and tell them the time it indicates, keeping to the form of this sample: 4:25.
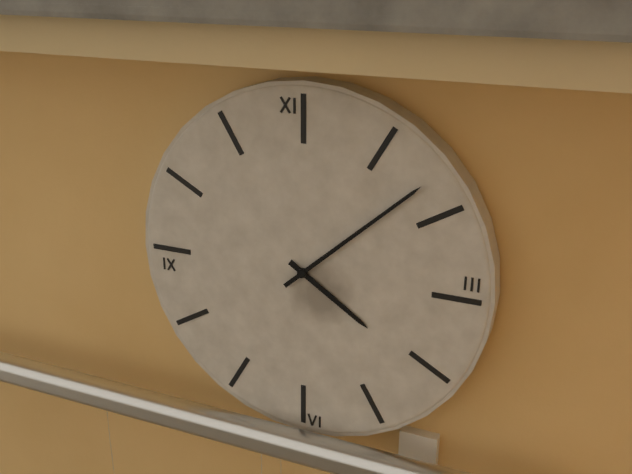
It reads 4:08
